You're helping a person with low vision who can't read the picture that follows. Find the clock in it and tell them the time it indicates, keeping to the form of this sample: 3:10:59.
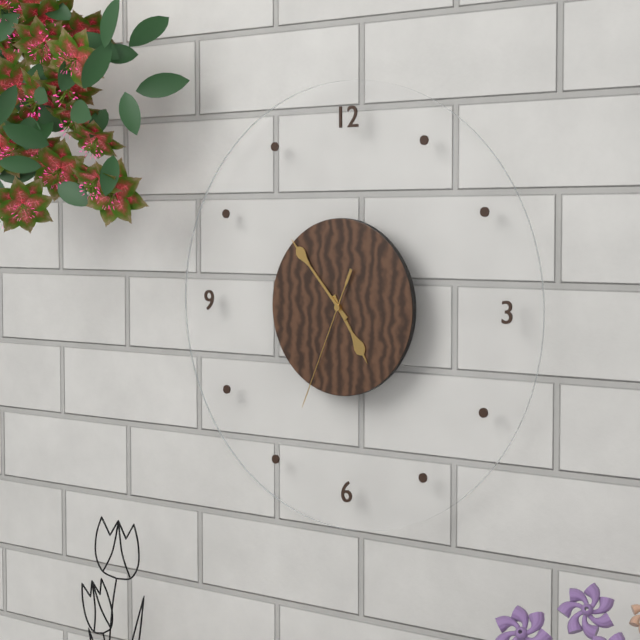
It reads 4:53:34
